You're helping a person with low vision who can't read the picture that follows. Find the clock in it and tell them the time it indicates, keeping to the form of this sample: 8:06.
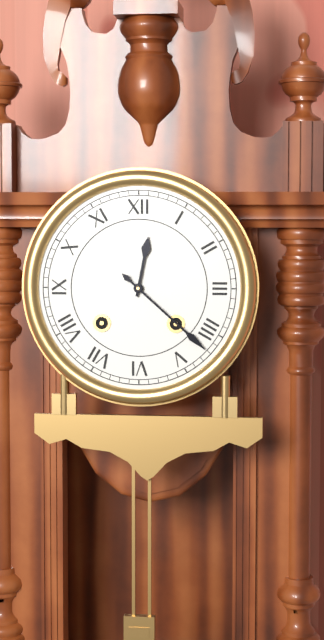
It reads 12:22
